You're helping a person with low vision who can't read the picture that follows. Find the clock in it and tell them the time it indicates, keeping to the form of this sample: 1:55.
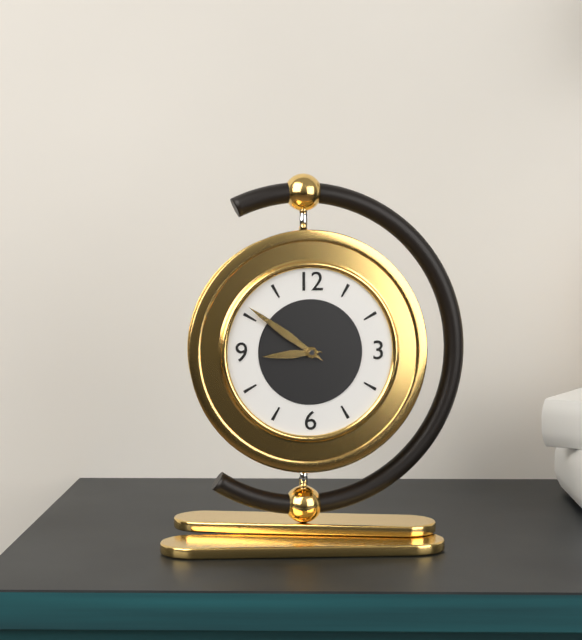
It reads 8:51
